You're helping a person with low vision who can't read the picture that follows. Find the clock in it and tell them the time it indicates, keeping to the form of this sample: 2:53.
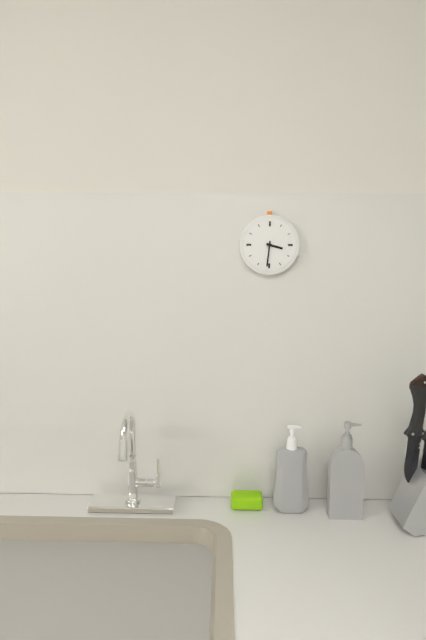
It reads 3:31
